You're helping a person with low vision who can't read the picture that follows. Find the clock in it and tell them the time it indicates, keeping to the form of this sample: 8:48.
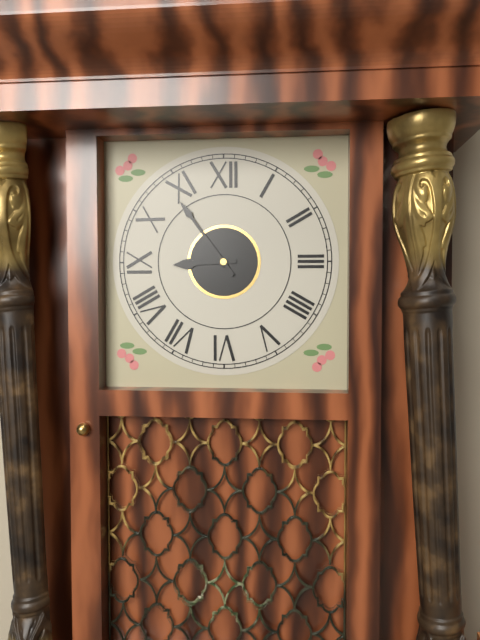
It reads 8:54
